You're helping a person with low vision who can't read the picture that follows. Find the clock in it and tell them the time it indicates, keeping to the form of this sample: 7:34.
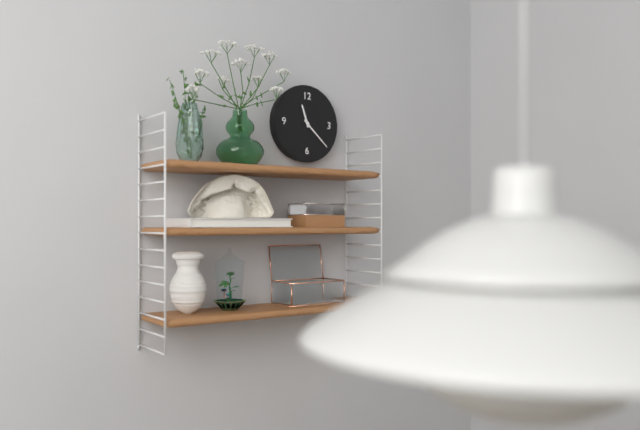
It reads 11:22
